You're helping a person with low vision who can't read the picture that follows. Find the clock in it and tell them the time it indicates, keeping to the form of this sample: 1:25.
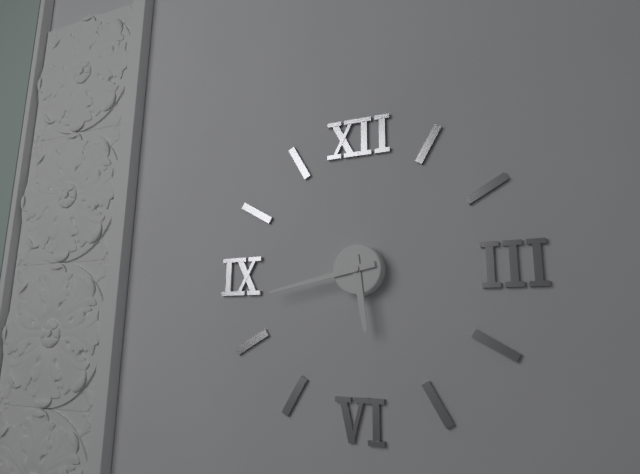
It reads 5:43
